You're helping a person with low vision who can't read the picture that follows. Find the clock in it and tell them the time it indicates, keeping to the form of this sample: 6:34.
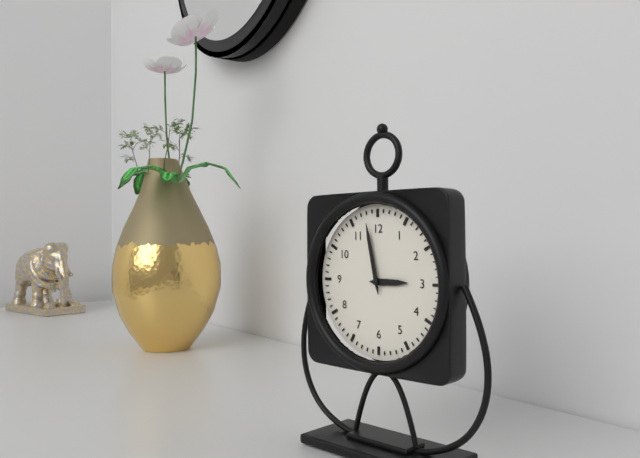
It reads 2:58
